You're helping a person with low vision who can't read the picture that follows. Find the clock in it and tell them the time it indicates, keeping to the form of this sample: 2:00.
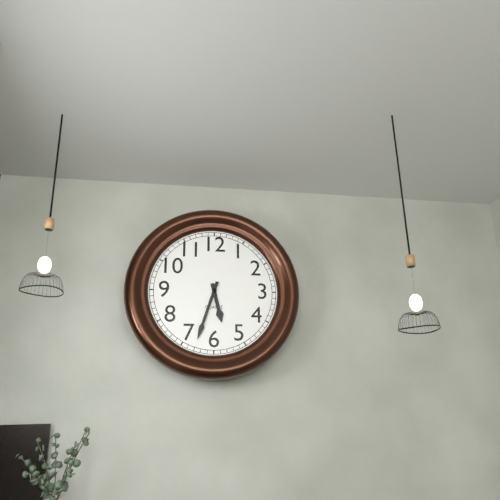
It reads 5:33
